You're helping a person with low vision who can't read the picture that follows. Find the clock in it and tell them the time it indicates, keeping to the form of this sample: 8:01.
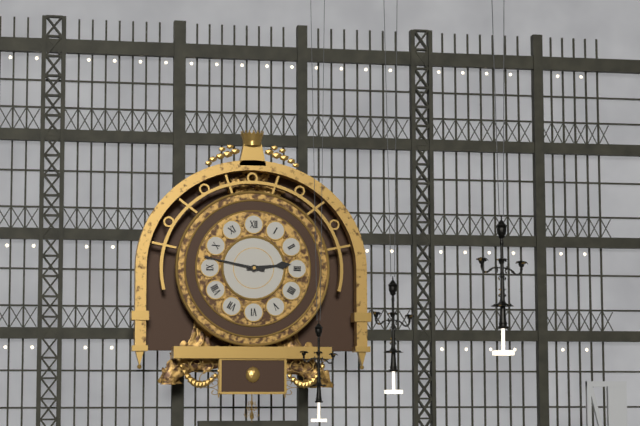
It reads 2:47
